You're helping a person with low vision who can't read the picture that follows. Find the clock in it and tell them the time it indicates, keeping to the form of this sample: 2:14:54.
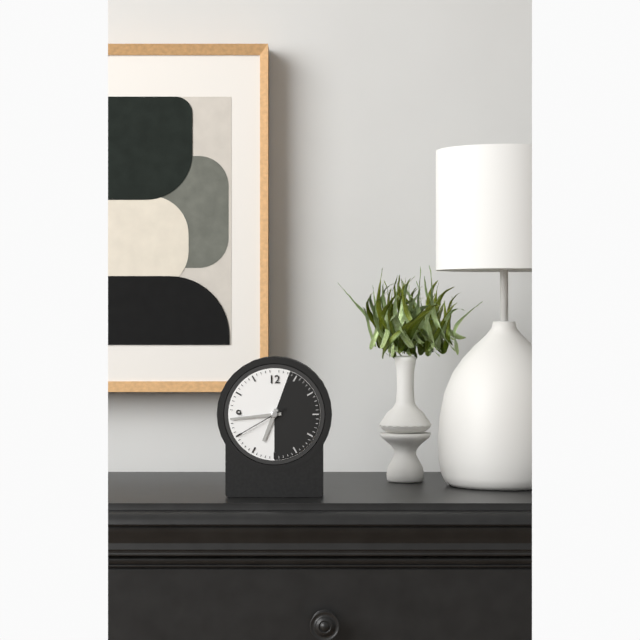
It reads 6:44:40
